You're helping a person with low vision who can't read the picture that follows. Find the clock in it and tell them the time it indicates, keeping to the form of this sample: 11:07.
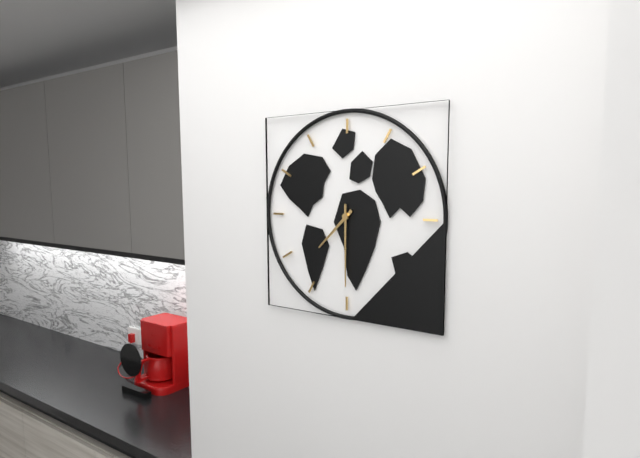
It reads 7:30
